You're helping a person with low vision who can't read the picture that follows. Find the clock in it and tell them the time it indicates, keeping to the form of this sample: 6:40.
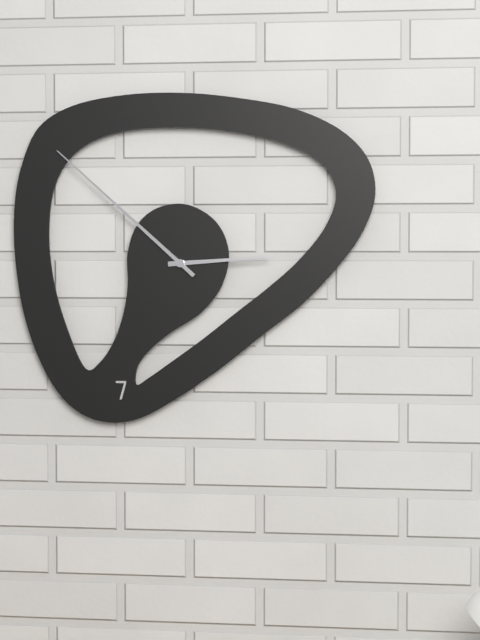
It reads 2:52
